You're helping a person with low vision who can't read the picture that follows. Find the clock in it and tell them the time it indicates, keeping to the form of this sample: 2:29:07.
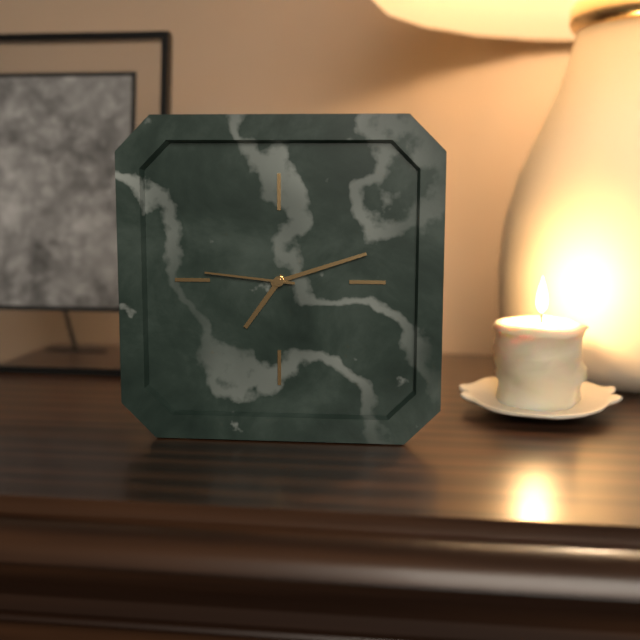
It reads 7:12:46
